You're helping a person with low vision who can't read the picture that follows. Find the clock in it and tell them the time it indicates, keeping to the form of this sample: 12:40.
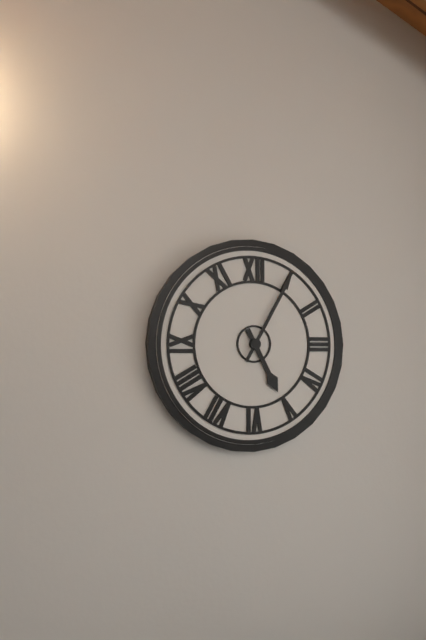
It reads 5:05
